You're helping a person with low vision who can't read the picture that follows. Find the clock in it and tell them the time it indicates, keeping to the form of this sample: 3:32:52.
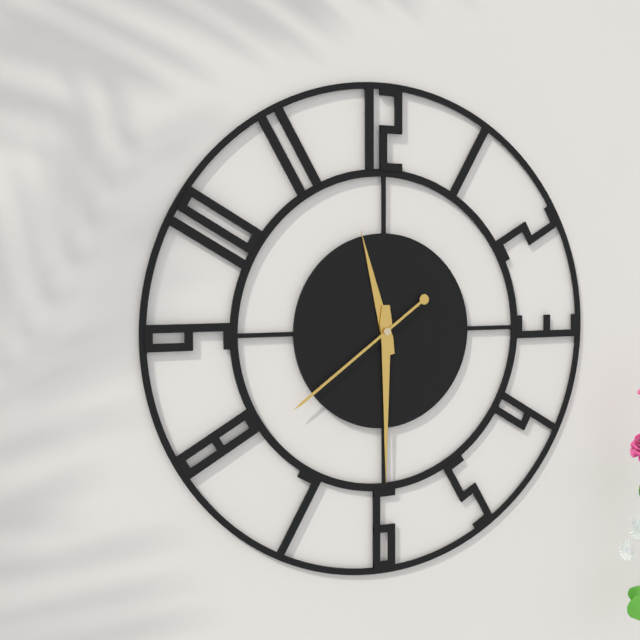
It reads 11:30:39
